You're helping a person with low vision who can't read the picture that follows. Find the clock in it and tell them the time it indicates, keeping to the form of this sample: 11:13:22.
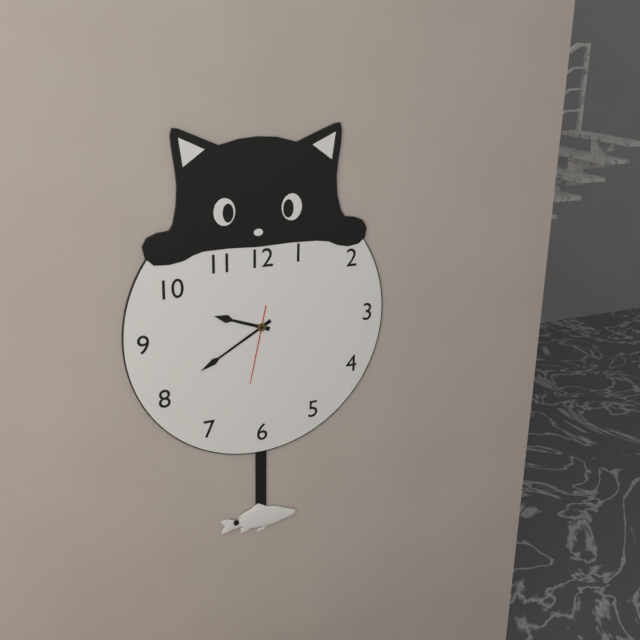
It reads 9:40:32
